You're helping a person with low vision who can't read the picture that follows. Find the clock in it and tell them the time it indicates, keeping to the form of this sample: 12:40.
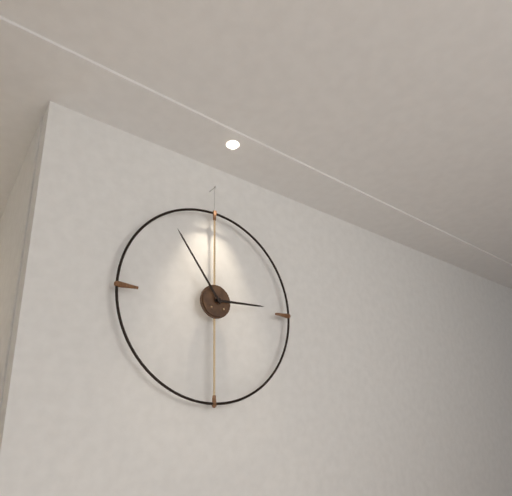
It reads 2:54
